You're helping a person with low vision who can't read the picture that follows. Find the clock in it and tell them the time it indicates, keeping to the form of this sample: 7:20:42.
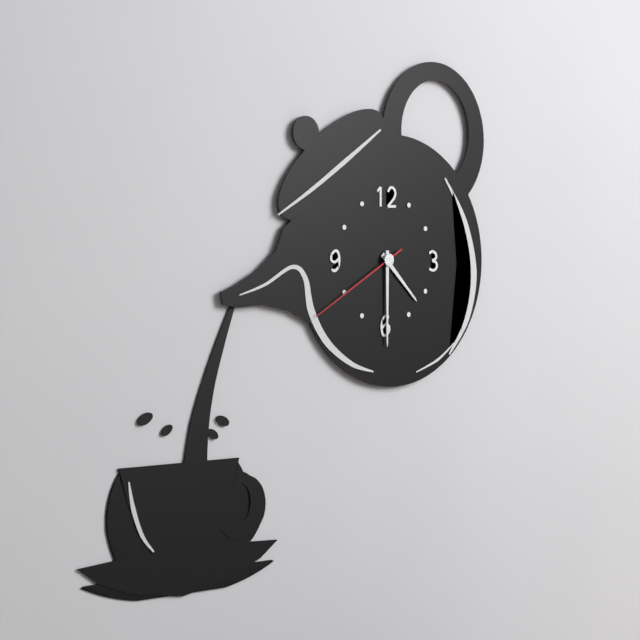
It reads 4:30:40
